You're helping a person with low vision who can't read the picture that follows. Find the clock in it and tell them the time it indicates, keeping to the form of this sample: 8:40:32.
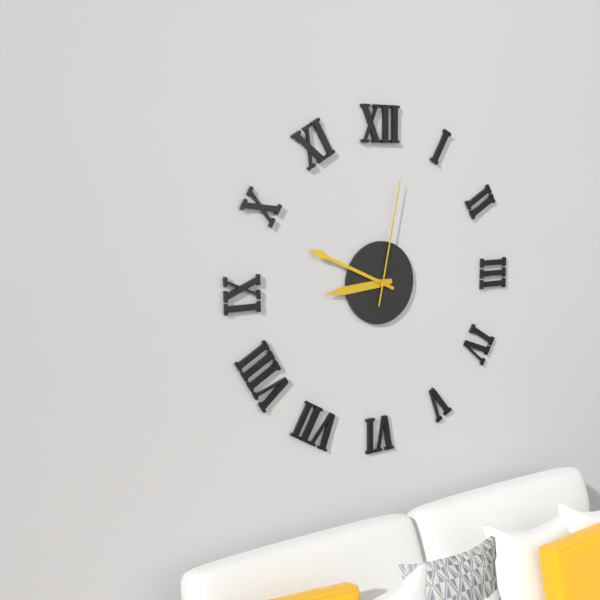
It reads 8:49:02
